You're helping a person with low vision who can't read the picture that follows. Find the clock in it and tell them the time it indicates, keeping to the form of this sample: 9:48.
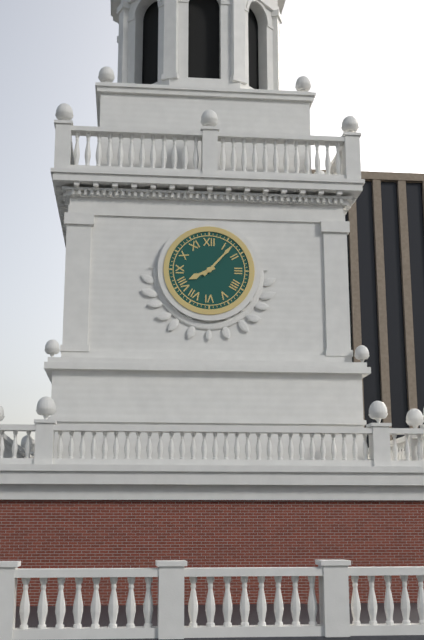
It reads 8:07
